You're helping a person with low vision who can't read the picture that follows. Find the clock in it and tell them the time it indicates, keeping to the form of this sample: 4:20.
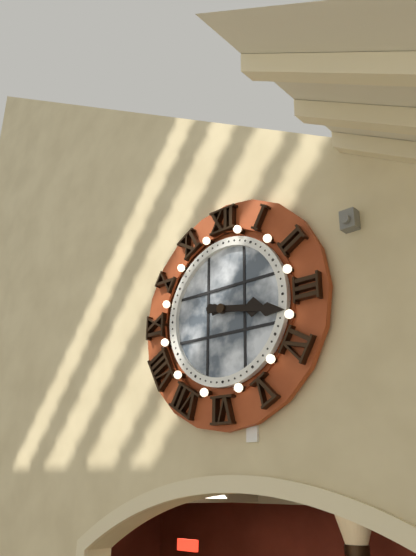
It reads 3:17
